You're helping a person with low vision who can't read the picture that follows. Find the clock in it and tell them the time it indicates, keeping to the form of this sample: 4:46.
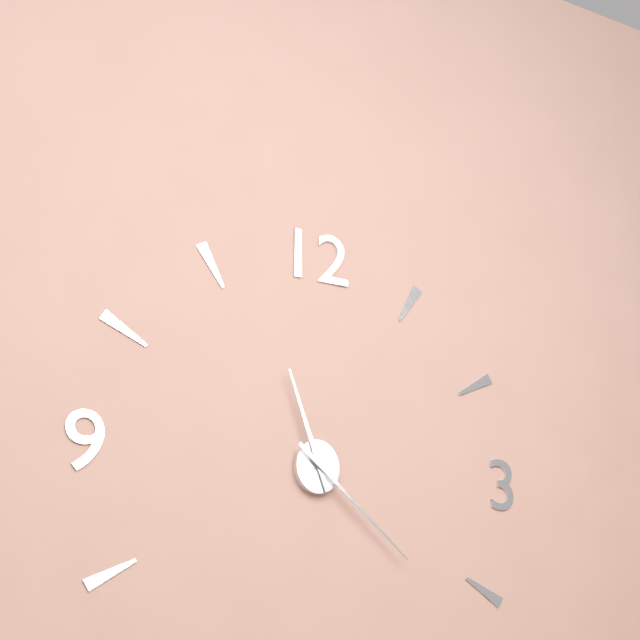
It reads 11:22
